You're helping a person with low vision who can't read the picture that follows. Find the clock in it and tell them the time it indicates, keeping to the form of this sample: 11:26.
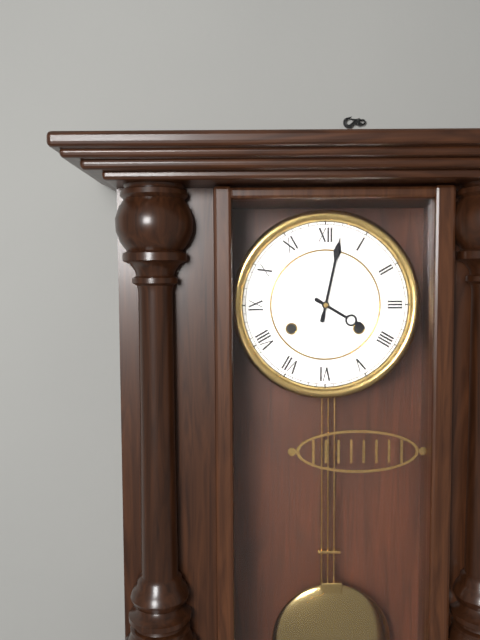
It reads 4:02
